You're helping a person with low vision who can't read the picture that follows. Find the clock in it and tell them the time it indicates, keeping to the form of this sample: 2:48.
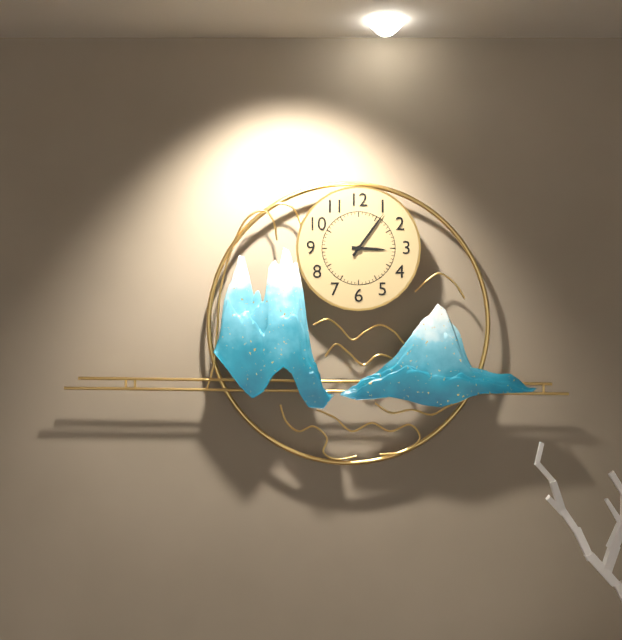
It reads 3:06
